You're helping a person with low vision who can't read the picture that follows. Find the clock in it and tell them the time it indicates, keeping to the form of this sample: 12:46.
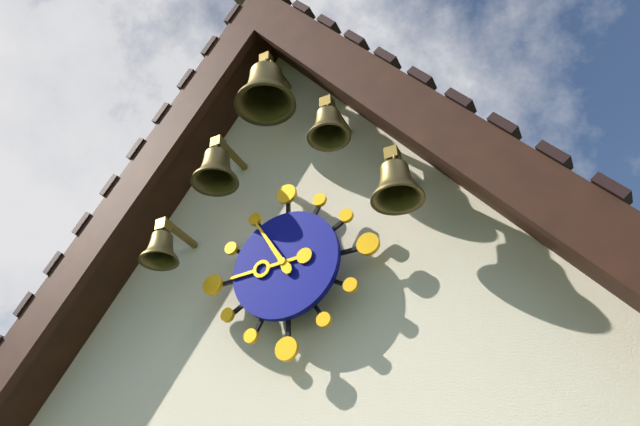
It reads 8:55
